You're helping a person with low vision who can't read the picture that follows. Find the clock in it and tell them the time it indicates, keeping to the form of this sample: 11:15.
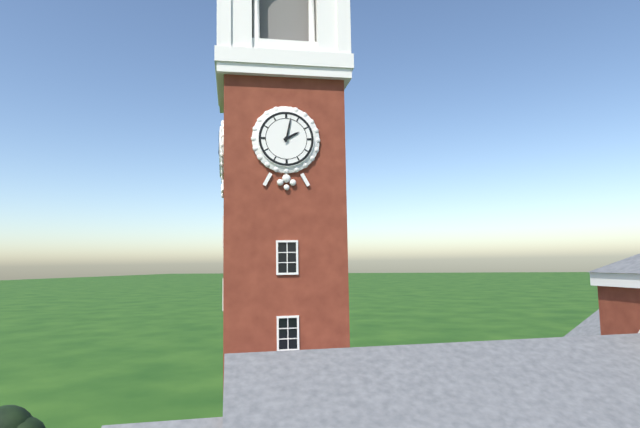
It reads 2:02
